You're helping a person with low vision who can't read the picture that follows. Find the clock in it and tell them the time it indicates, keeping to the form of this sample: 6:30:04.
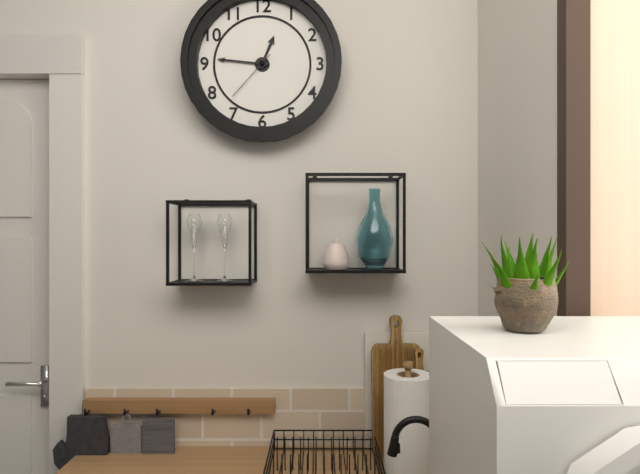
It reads 12:46:37
